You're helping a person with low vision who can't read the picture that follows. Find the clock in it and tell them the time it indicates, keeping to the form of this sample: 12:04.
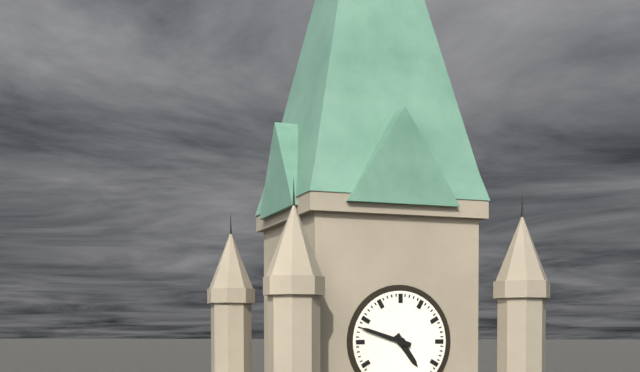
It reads 4:48
